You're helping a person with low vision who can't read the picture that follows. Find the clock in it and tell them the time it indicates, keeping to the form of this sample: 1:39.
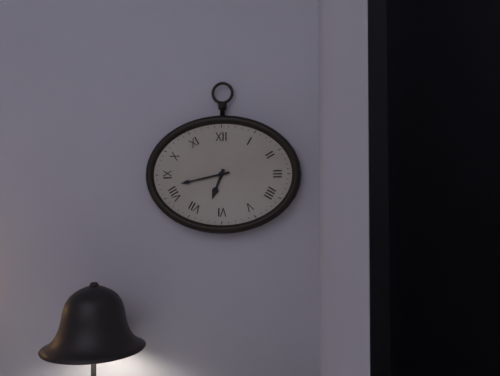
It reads 6:43
